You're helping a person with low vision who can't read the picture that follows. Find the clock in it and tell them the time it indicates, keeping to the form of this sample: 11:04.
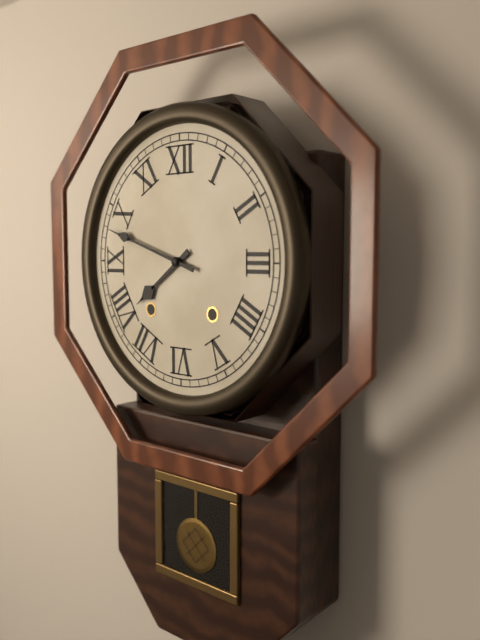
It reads 7:48
